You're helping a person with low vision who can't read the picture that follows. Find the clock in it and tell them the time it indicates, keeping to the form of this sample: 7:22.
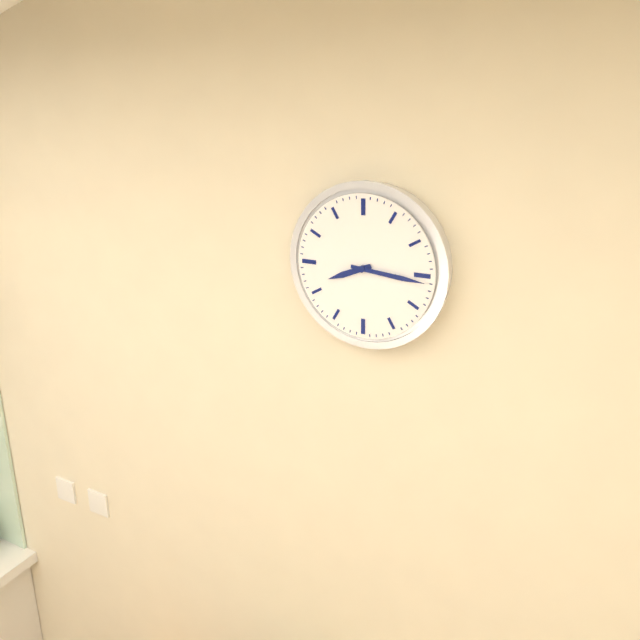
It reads 8:16
